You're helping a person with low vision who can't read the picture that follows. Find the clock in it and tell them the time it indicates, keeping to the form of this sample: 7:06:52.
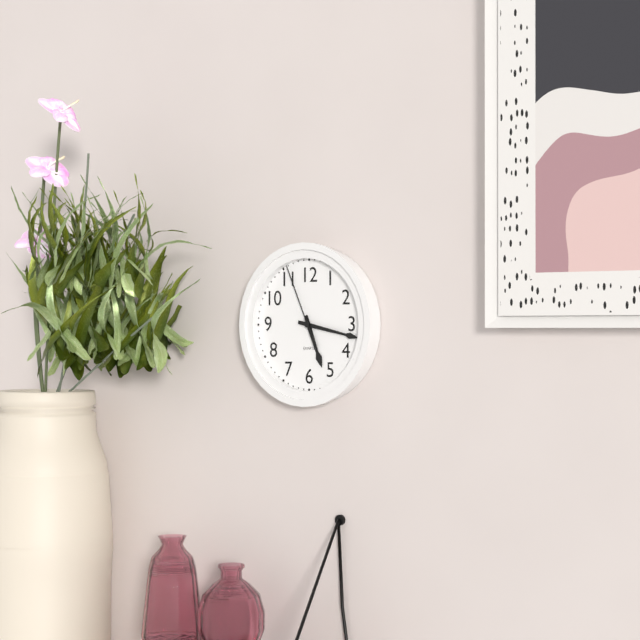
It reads 5:17:56
